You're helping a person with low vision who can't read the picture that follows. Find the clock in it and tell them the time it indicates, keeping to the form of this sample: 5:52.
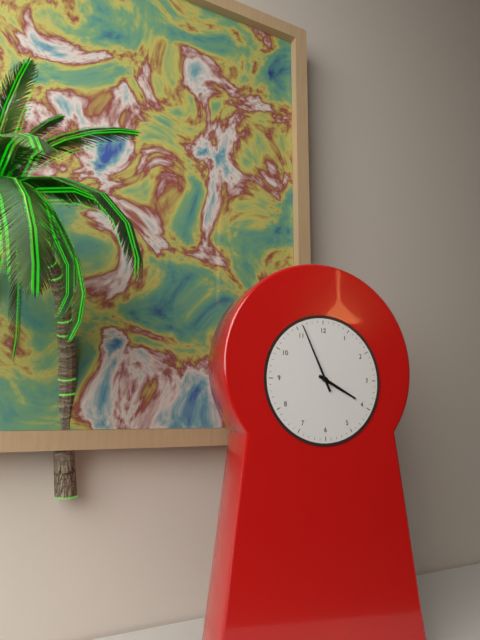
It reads 3:56
